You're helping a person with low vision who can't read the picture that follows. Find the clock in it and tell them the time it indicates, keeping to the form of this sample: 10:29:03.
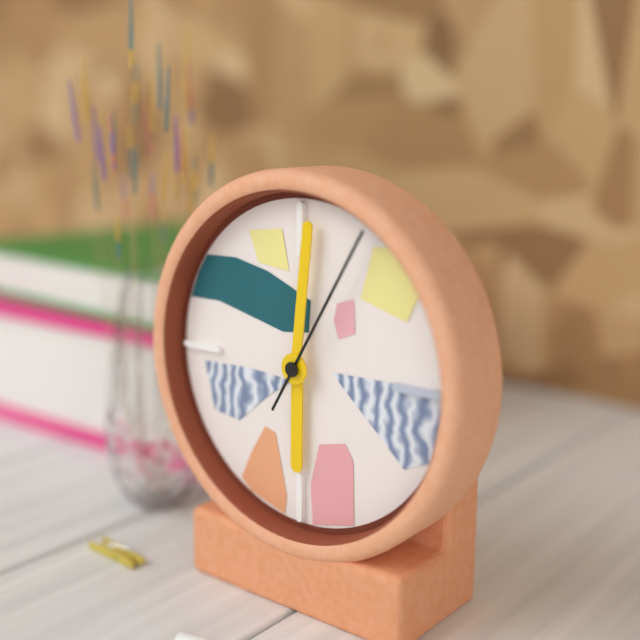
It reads 6:01:05
